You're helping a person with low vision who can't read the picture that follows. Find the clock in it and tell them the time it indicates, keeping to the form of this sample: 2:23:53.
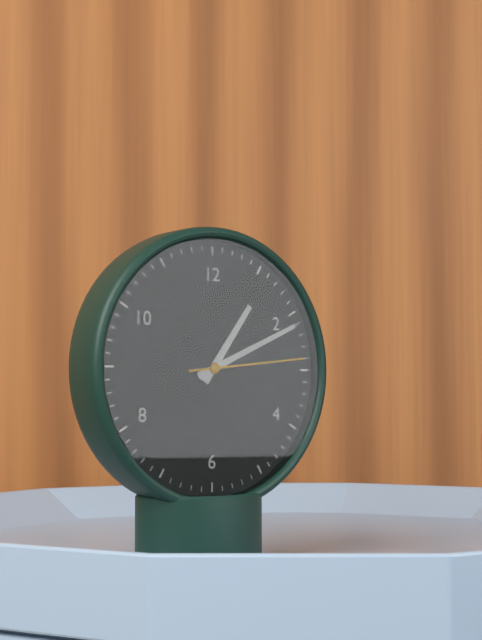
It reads 1:11:14
